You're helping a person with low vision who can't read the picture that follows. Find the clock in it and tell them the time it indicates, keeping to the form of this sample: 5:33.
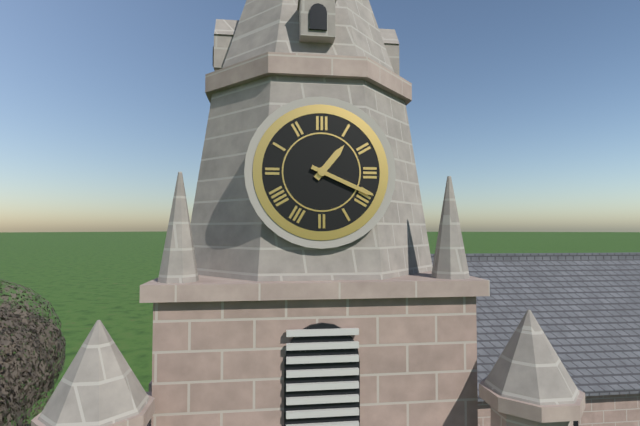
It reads 1:19
